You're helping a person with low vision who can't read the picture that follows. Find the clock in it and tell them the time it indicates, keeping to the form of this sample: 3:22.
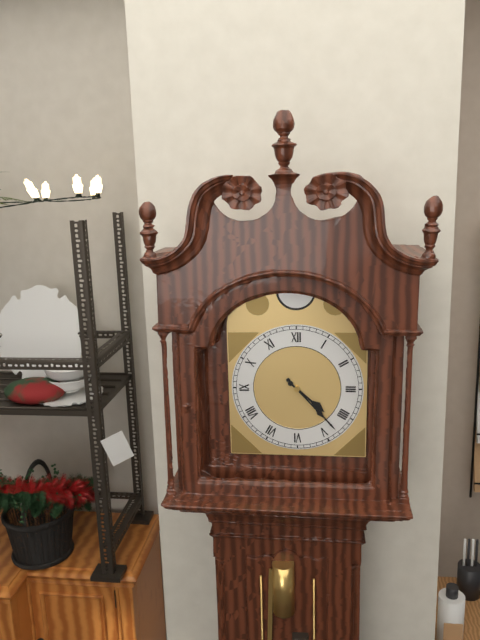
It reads 4:23
